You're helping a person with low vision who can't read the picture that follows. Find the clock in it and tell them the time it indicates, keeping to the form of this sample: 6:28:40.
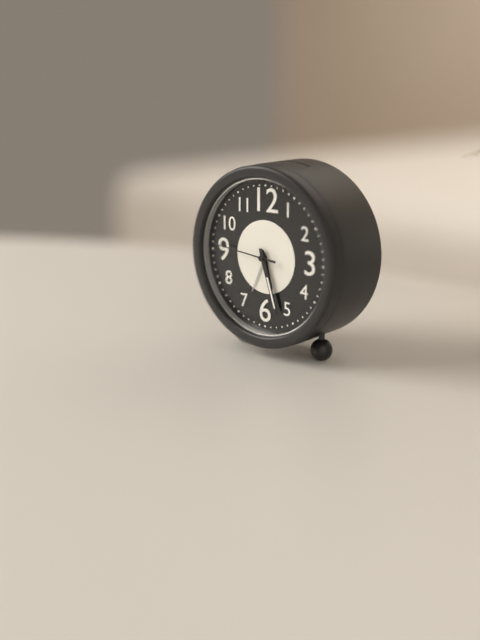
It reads 5:27:46
